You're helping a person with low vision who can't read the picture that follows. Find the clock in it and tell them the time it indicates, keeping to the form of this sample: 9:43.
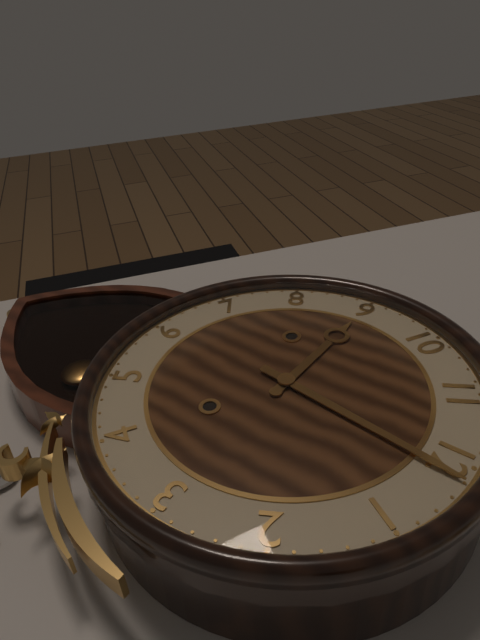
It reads 9:01
